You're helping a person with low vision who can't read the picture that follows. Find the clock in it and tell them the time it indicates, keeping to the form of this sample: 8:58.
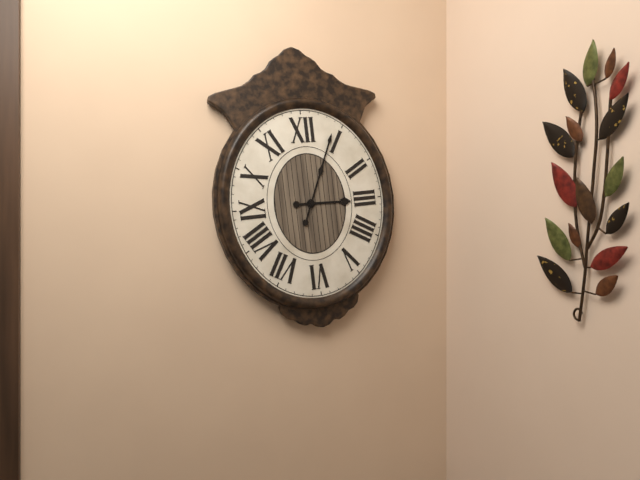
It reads 3:04
